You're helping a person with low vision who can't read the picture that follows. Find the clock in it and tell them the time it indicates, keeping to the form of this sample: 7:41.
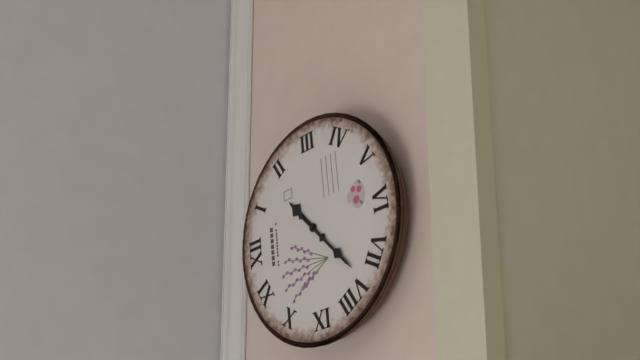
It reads 1:38
